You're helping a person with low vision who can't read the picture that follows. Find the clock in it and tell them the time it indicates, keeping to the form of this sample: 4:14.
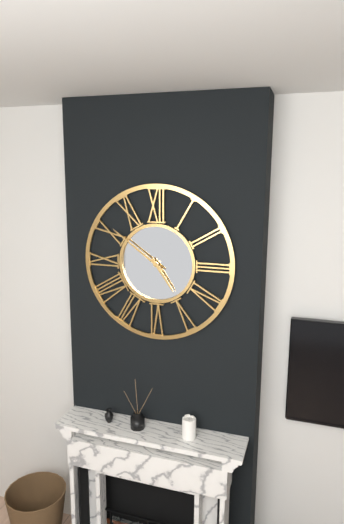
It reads 4:51
